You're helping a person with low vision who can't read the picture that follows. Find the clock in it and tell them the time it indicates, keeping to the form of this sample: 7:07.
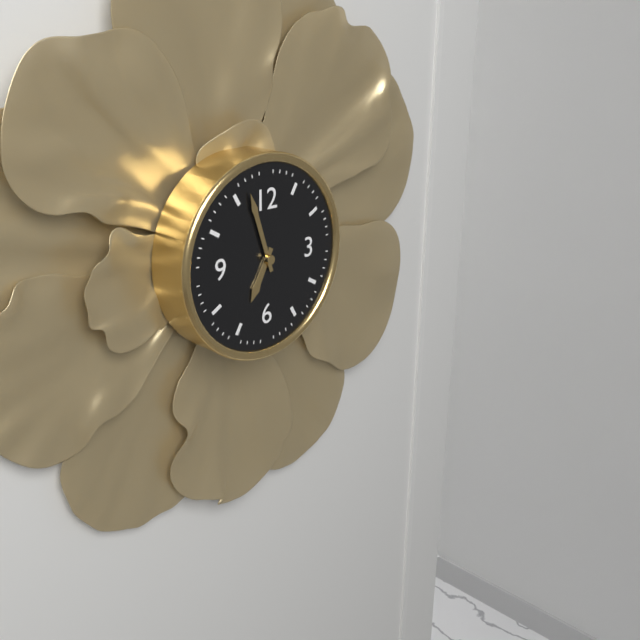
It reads 6:57
